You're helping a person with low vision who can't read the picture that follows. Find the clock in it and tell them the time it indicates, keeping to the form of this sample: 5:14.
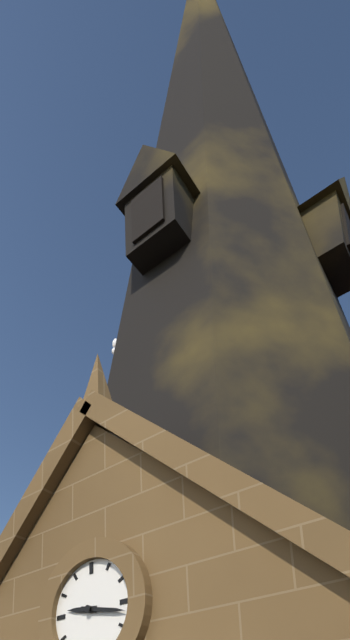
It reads 9:17
